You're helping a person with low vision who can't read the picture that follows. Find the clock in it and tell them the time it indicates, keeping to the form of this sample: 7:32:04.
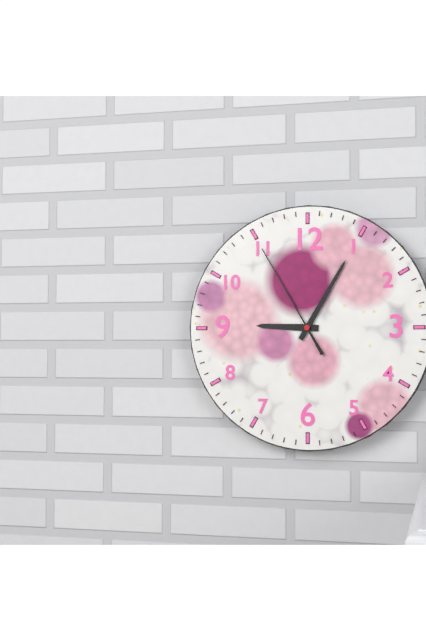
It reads 9:05:55
